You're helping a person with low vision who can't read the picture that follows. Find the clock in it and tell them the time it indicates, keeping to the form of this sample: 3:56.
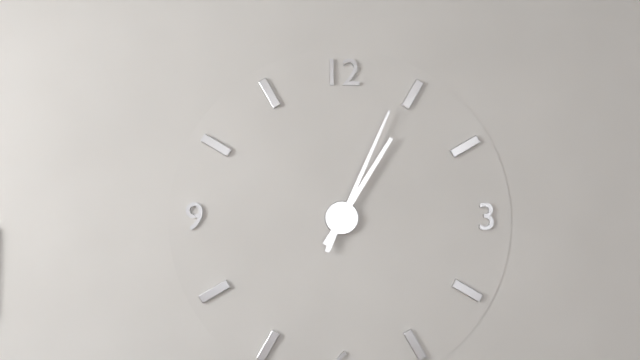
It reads 1:04
